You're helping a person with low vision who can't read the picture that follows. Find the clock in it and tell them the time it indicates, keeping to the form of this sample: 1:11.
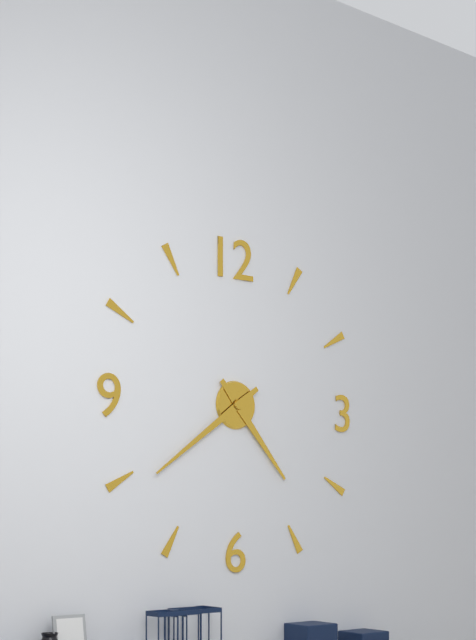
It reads 4:39
